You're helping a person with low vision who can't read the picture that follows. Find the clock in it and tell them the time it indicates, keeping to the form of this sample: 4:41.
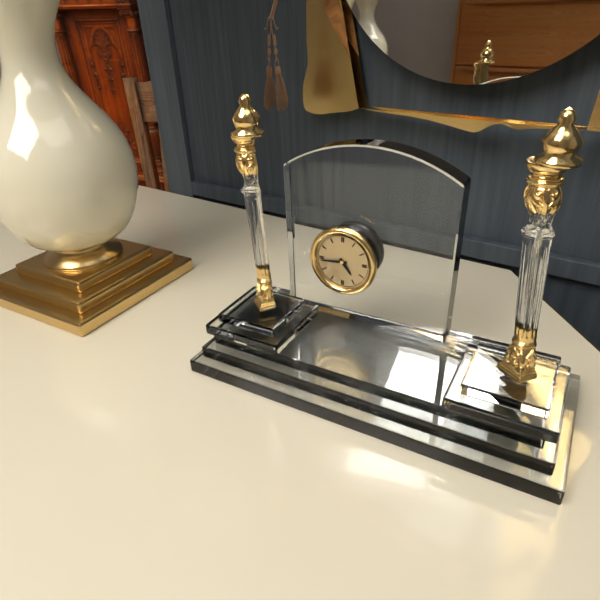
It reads 4:44
